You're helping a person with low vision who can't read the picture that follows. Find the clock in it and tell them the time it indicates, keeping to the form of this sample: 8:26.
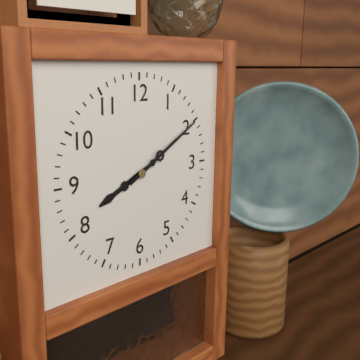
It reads 8:10
